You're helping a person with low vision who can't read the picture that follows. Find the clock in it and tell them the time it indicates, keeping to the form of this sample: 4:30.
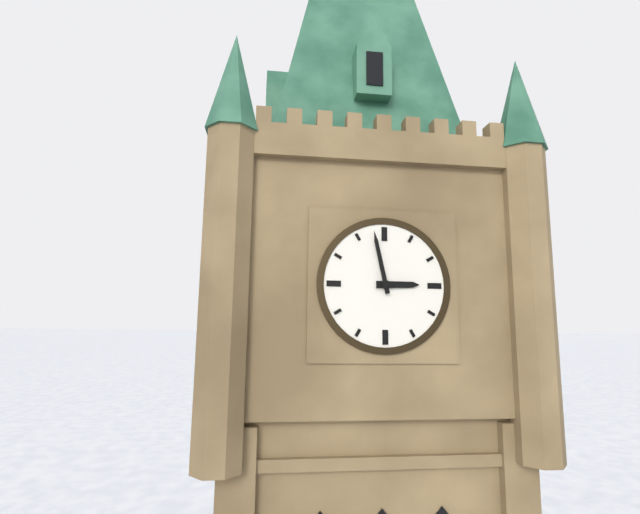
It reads 2:58
